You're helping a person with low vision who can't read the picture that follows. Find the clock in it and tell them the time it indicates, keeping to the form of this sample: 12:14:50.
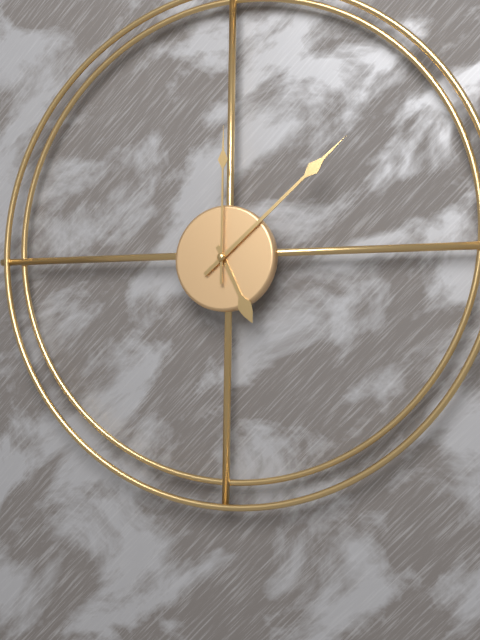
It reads 5:08:00
